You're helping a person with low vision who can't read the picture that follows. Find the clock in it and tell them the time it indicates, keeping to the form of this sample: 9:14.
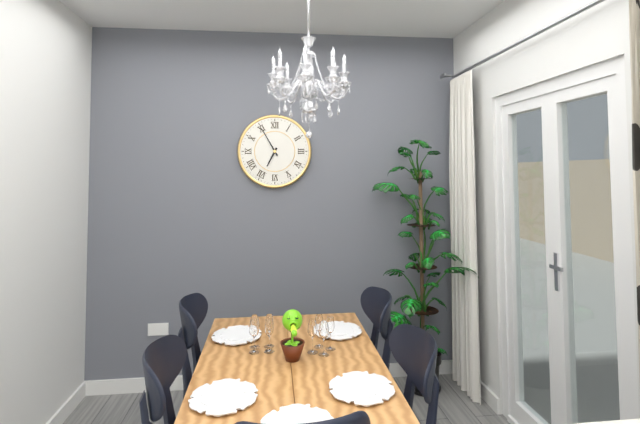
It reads 6:55
